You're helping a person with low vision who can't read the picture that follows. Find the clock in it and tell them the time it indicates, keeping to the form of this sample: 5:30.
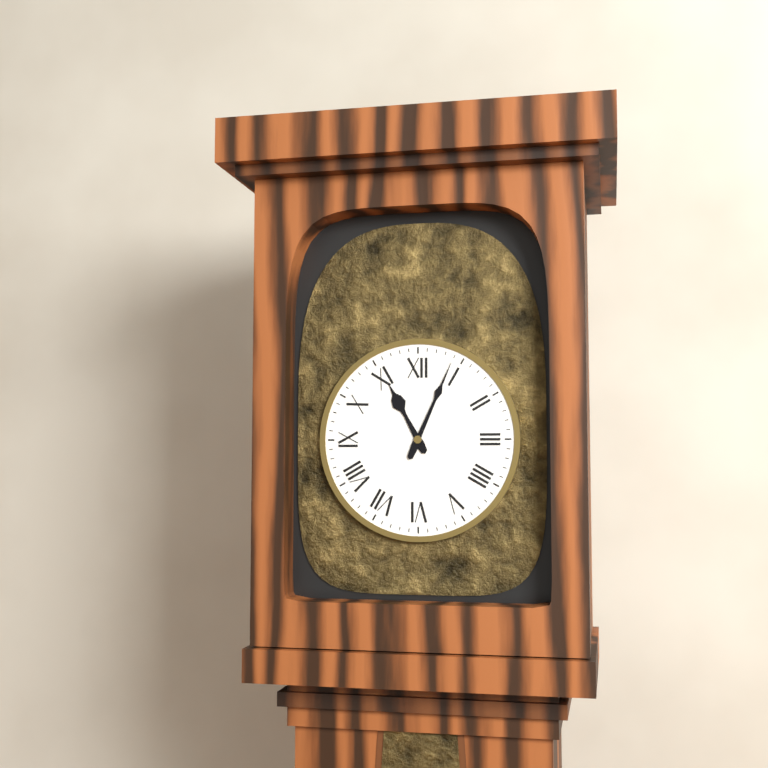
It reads 11:04
